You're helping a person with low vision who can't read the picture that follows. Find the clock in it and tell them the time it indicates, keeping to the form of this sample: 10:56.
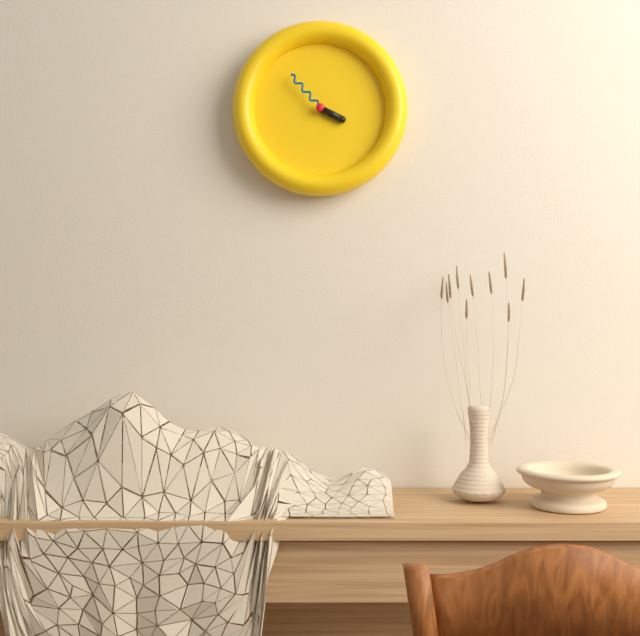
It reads 3:53
